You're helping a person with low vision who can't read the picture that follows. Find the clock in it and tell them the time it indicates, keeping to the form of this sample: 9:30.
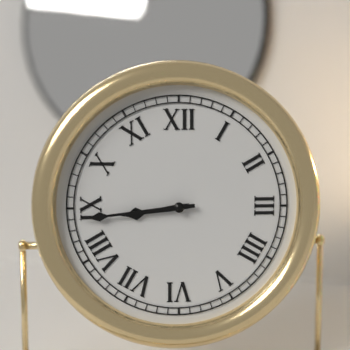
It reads 8:44
